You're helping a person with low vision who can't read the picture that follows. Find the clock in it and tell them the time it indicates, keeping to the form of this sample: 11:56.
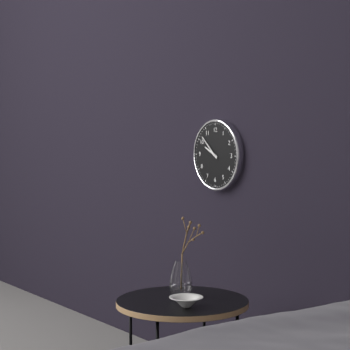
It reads 9:52
